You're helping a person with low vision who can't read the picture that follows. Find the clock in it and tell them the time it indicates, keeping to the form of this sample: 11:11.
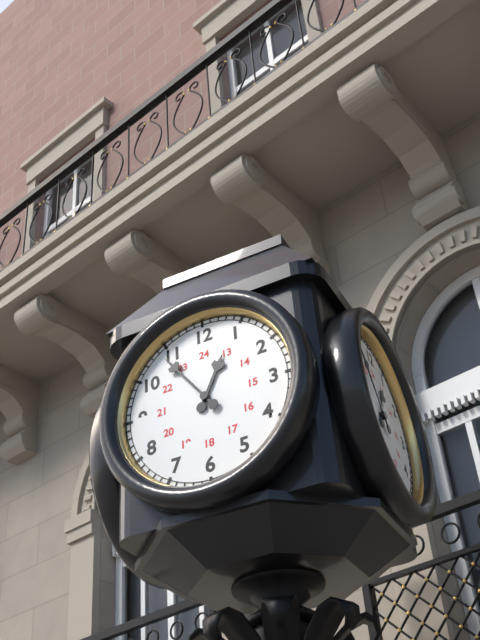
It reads 12:54
